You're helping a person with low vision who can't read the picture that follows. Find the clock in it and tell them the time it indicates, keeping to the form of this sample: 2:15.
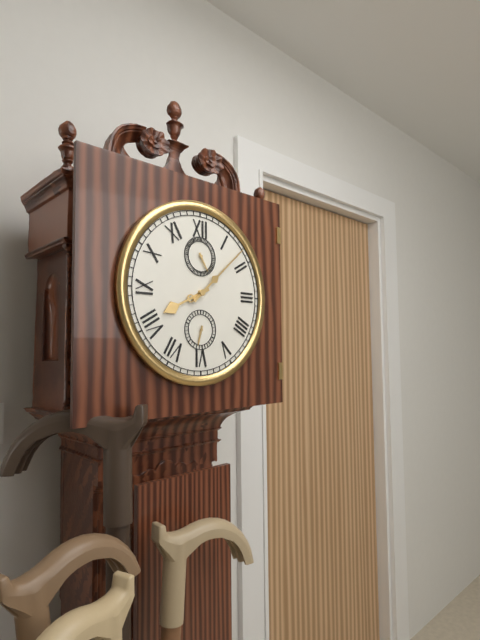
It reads 8:08
